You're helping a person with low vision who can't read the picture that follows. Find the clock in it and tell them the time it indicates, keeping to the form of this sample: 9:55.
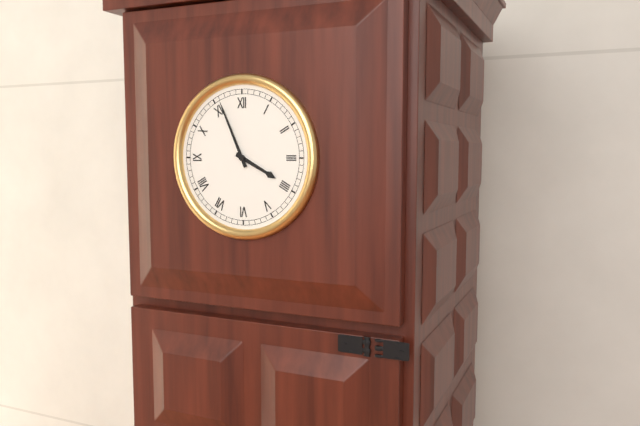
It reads 3:56
